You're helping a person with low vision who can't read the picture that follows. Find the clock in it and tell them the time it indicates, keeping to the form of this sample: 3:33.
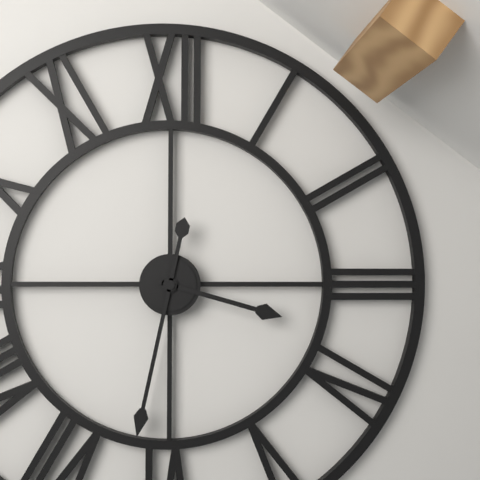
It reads 3:32
